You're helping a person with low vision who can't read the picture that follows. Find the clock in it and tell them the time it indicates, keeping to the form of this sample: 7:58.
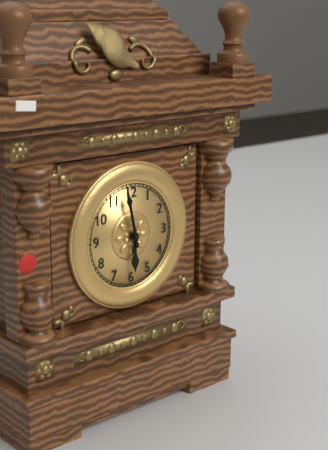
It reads 5:58
